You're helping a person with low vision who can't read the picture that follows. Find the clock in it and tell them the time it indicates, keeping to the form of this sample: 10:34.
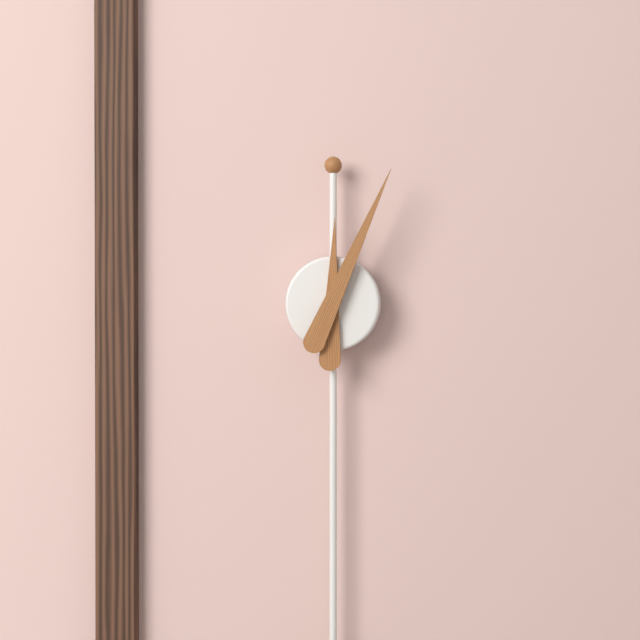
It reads 12:04
